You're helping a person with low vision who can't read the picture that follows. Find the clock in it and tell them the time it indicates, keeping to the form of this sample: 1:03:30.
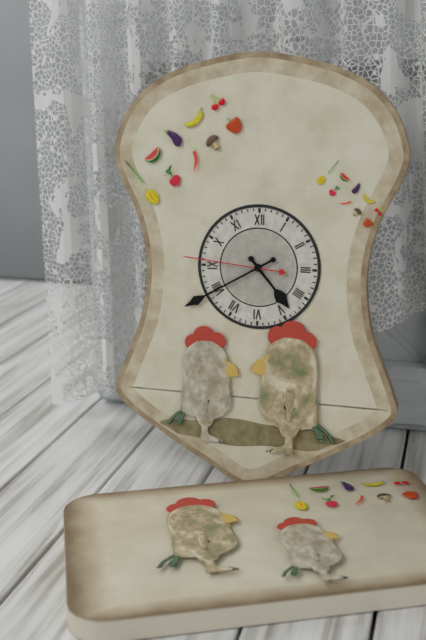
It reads 4:40:46
